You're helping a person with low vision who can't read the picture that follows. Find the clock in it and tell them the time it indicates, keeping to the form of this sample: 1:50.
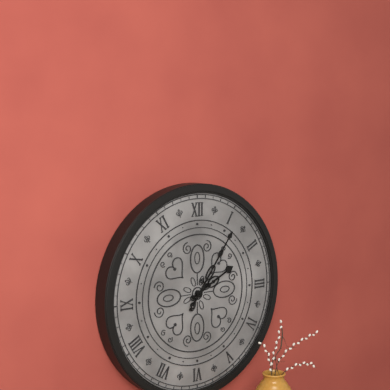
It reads 2:06
